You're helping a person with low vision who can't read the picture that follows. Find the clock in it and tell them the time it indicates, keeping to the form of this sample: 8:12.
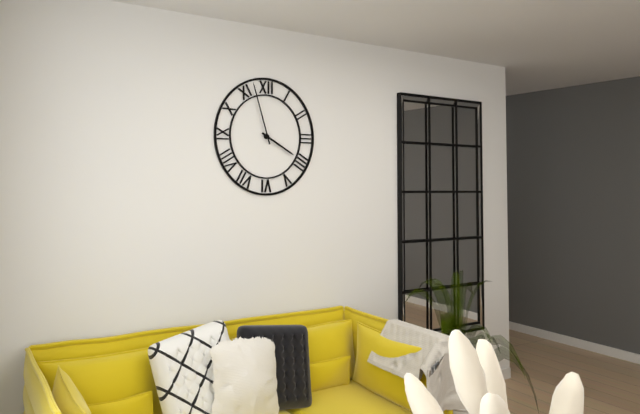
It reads 3:57
